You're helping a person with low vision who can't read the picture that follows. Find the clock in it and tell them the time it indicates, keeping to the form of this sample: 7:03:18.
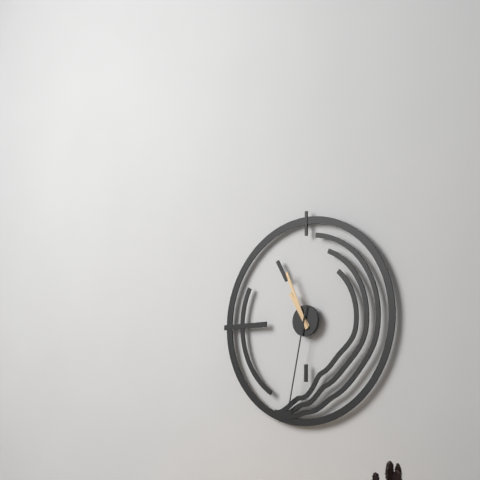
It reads 10:56:32
